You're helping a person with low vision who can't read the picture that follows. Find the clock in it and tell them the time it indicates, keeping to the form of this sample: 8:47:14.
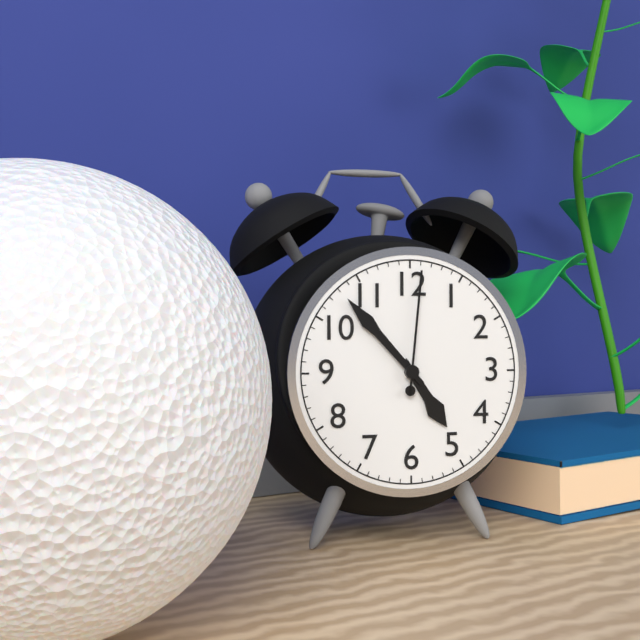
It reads 4:53:01
